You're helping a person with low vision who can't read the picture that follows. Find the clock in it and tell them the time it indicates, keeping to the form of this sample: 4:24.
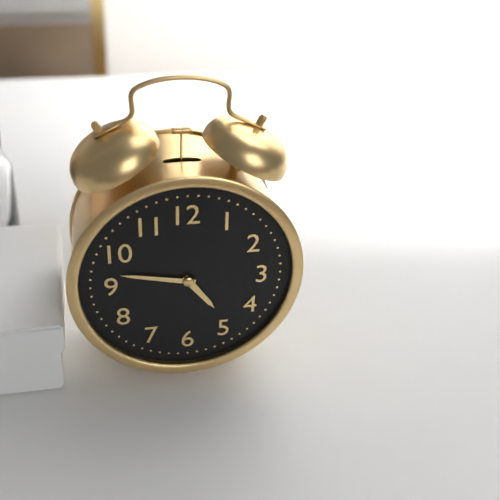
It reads 4:47
